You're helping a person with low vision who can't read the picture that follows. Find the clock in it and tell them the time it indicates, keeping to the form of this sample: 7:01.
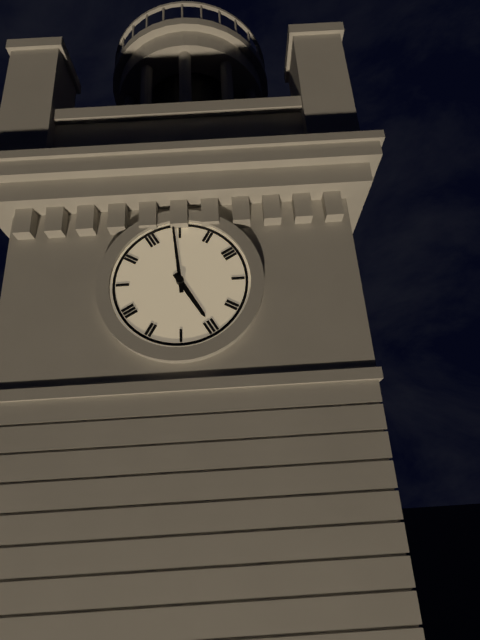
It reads 4:59
